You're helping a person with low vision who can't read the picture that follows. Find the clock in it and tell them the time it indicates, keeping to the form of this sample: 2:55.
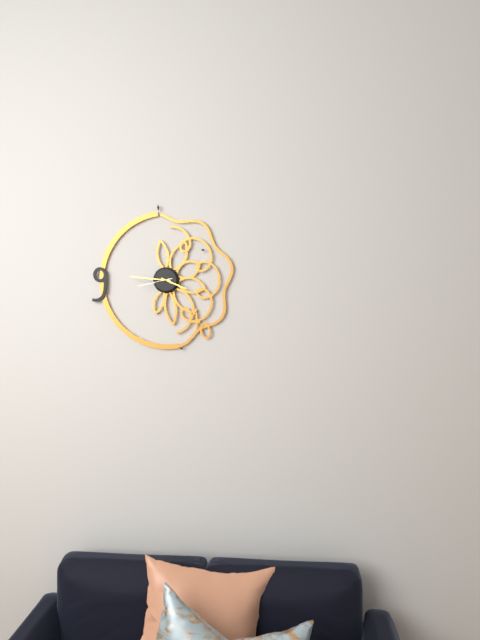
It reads 3:46
